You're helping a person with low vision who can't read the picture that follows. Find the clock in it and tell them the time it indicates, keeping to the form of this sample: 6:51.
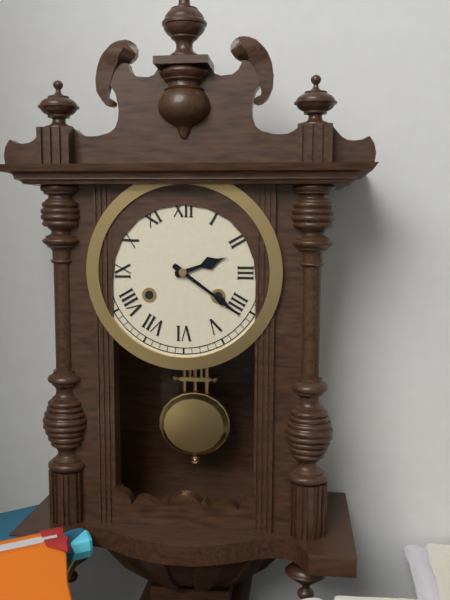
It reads 2:21
